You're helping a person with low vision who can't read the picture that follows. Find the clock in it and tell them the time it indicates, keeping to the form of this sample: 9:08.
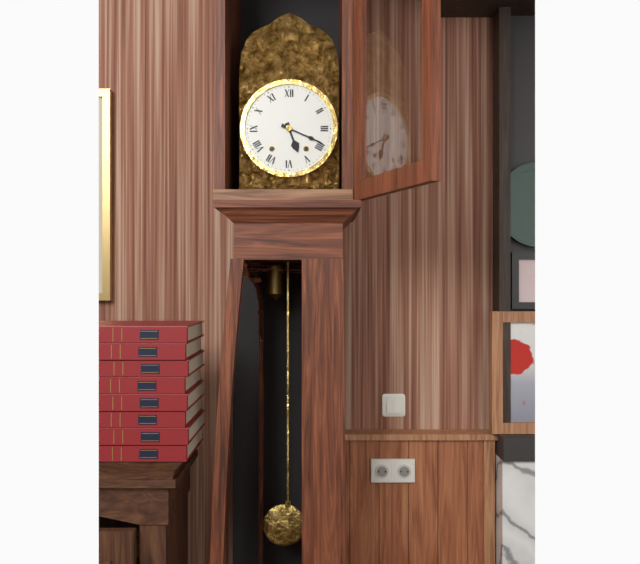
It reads 5:19
